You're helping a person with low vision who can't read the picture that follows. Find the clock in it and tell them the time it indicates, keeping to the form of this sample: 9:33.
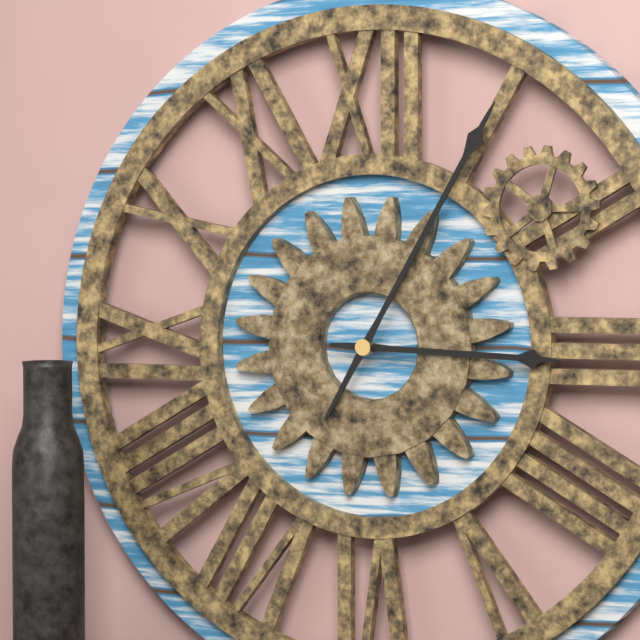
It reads 3:05
